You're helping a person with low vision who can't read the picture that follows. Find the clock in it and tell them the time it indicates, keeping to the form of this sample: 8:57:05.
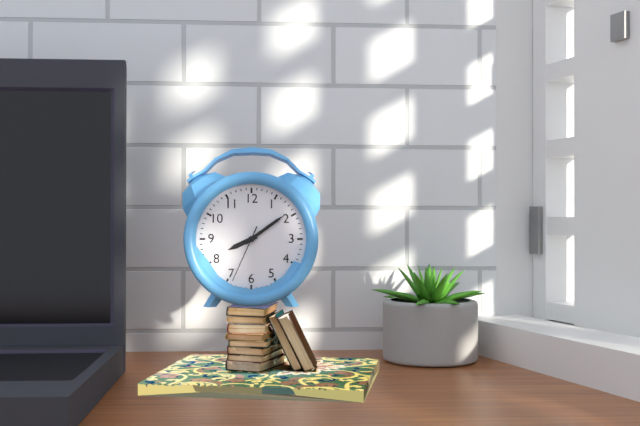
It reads 8:09:34
